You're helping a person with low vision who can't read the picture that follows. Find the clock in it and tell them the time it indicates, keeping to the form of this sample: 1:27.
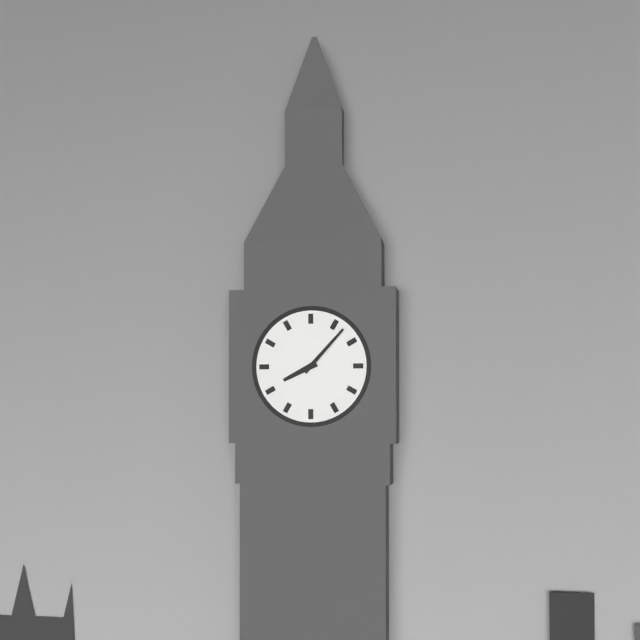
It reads 8:07
